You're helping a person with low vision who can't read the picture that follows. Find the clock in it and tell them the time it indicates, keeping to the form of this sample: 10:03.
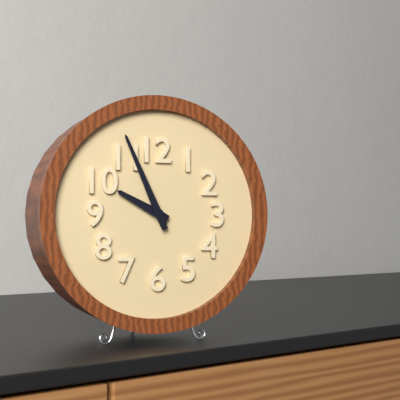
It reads 9:56
